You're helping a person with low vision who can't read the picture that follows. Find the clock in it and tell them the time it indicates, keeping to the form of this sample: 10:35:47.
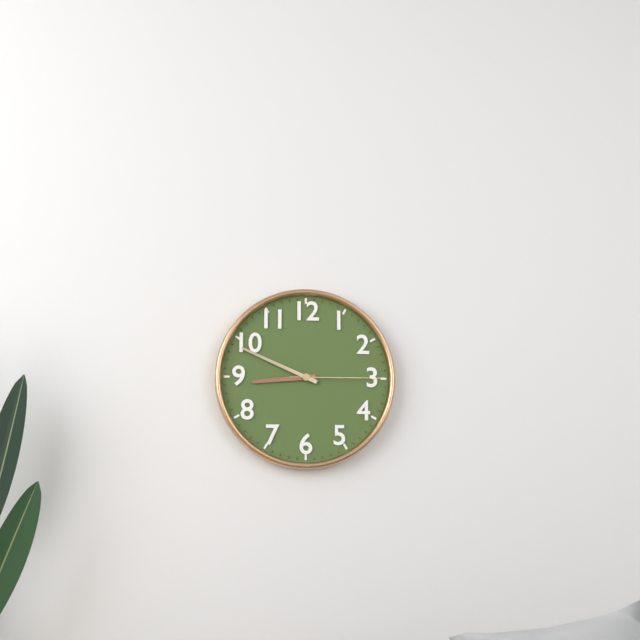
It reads 8:49:15
